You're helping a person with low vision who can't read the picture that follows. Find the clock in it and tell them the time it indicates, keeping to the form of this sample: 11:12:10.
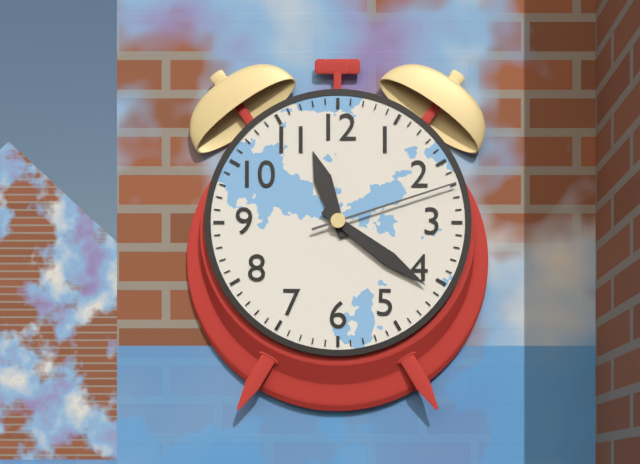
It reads 11:21:12
